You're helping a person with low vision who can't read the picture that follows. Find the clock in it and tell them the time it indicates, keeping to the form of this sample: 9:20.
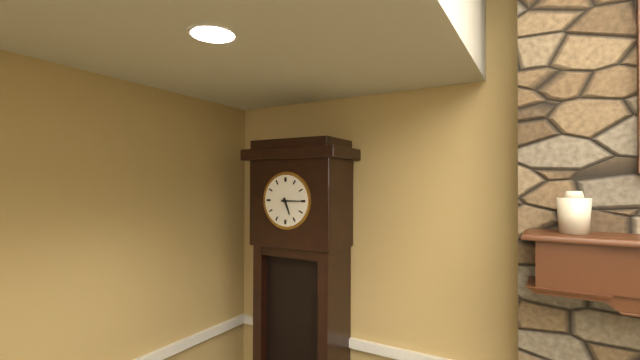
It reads 5:15
